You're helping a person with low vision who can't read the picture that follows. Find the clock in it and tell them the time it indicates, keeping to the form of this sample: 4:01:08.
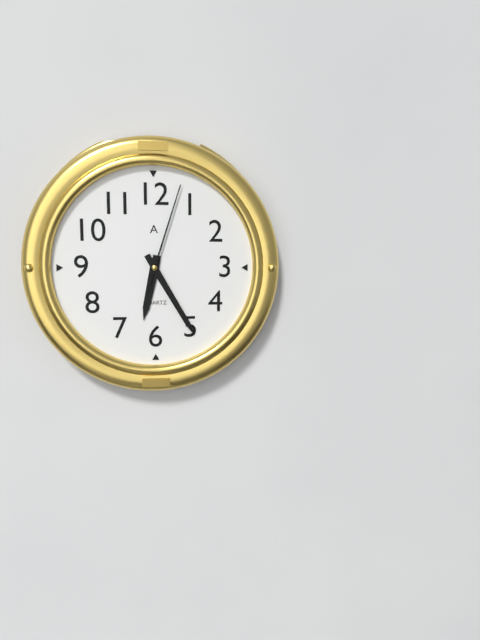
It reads 6:25:03
